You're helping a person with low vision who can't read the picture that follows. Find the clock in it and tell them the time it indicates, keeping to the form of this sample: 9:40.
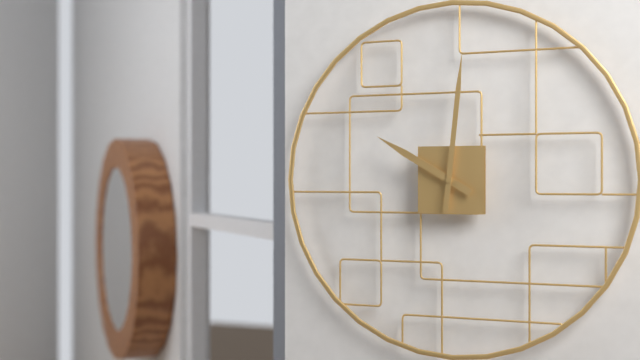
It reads 10:01
